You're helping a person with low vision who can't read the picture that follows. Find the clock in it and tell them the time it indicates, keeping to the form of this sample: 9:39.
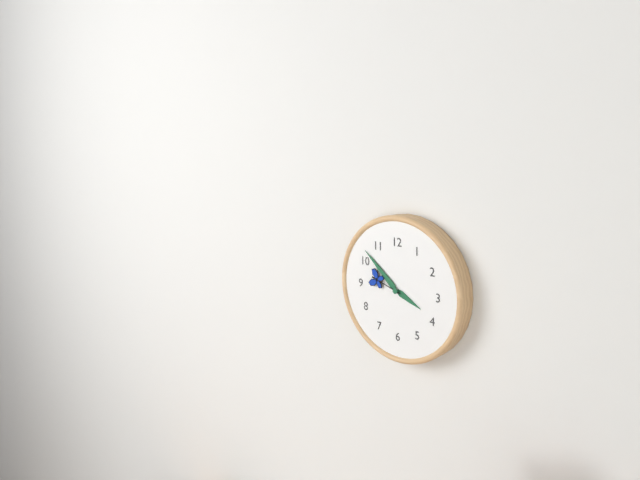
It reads 3:52
